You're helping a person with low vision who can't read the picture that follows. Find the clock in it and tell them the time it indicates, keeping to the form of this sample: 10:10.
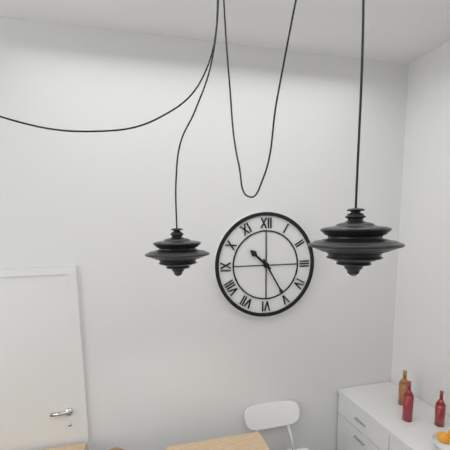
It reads 10:25
